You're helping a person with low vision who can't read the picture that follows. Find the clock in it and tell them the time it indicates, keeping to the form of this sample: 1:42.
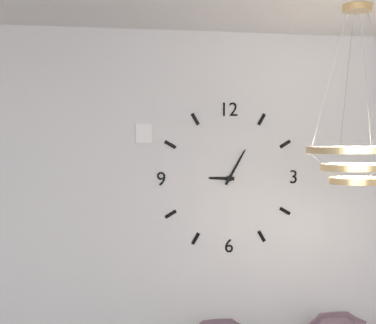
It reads 9:05
